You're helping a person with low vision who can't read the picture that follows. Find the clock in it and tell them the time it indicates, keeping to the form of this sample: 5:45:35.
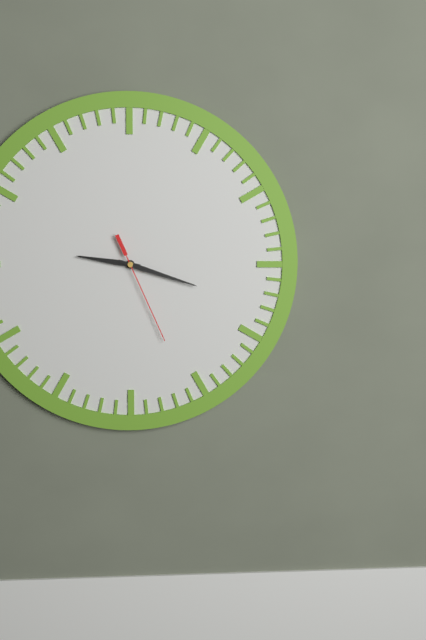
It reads 9:18:26
